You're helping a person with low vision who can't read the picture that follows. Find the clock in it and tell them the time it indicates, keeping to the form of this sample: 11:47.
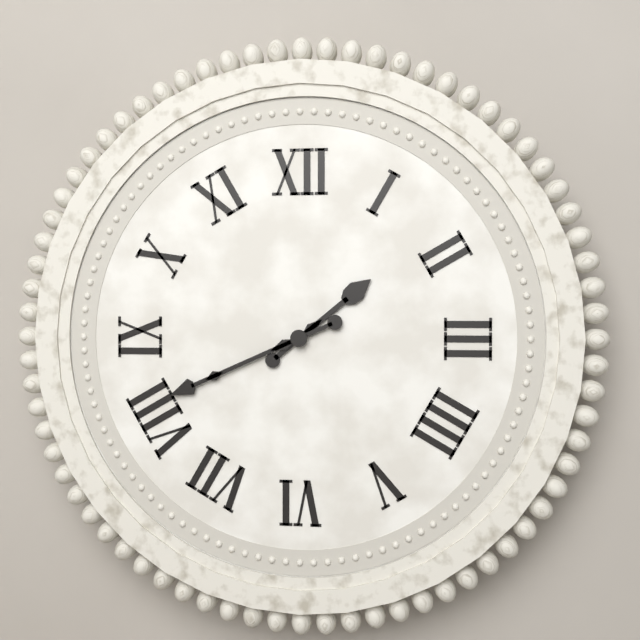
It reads 1:41
